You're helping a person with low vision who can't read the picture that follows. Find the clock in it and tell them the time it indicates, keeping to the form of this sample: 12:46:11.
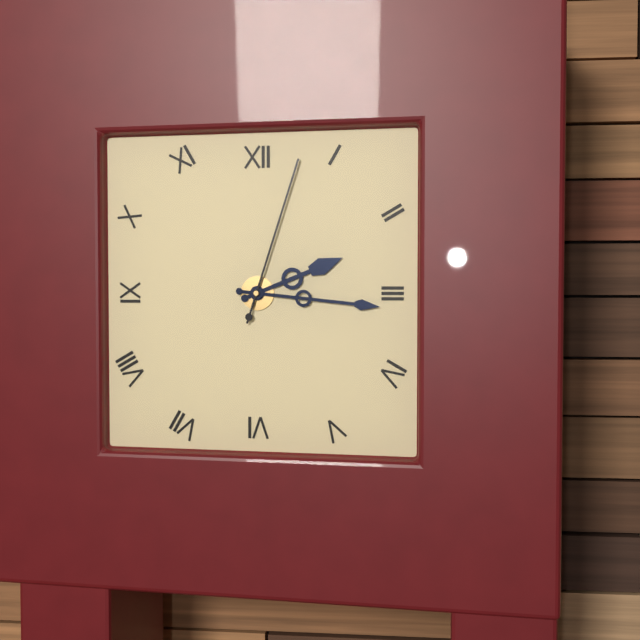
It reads 2:16:03
